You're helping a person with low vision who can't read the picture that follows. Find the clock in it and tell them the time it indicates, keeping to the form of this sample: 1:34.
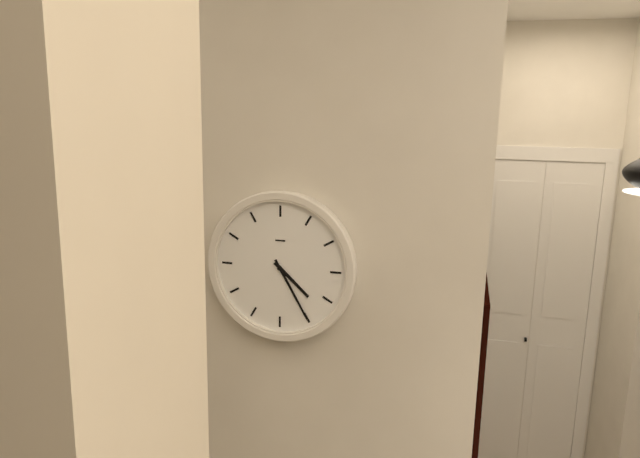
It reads 4:25
